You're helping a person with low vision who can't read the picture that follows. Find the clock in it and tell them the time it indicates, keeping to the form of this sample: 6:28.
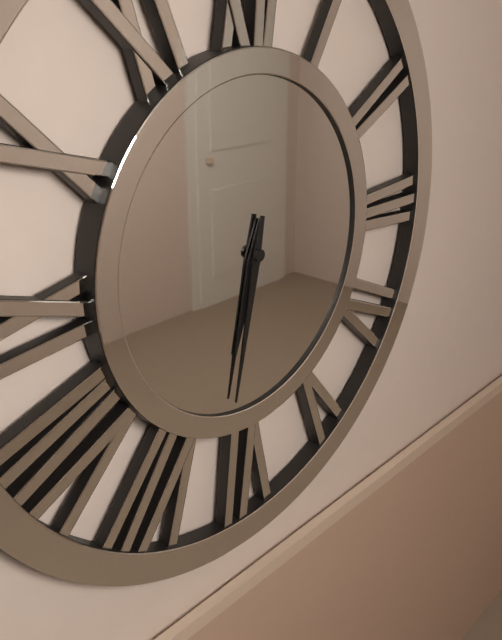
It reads 6:32
